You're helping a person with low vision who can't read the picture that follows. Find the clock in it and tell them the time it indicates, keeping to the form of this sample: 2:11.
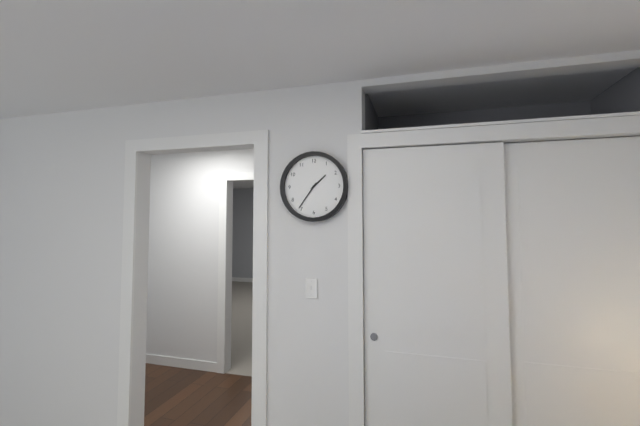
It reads 1:36
